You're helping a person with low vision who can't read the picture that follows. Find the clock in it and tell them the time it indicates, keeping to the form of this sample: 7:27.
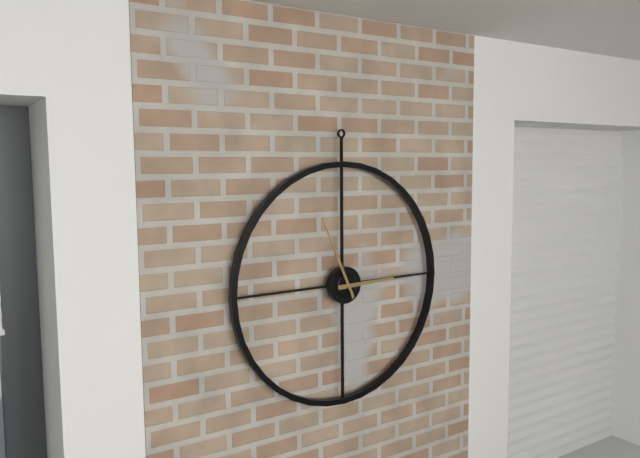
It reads 2:56
